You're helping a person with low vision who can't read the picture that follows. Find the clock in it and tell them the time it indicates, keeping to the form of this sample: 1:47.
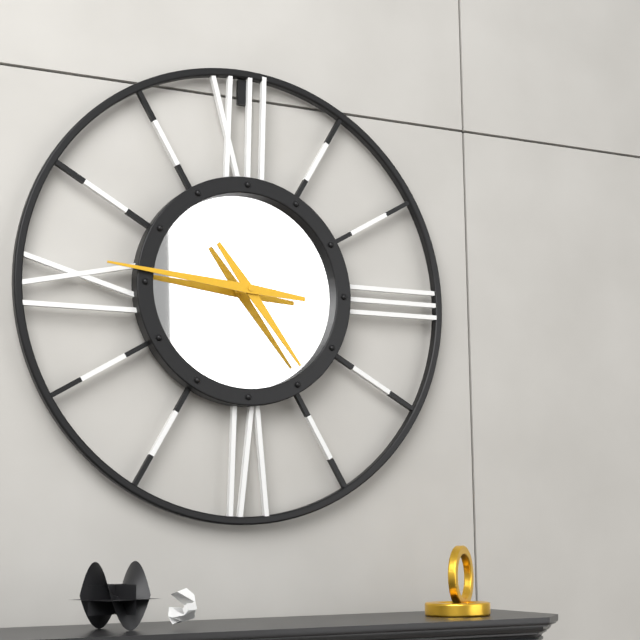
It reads 4:46
